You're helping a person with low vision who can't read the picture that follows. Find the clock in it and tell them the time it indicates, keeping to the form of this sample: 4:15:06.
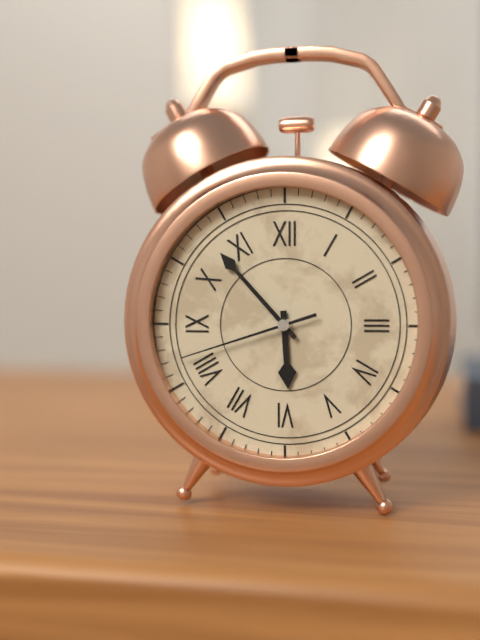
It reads 5:53:42
